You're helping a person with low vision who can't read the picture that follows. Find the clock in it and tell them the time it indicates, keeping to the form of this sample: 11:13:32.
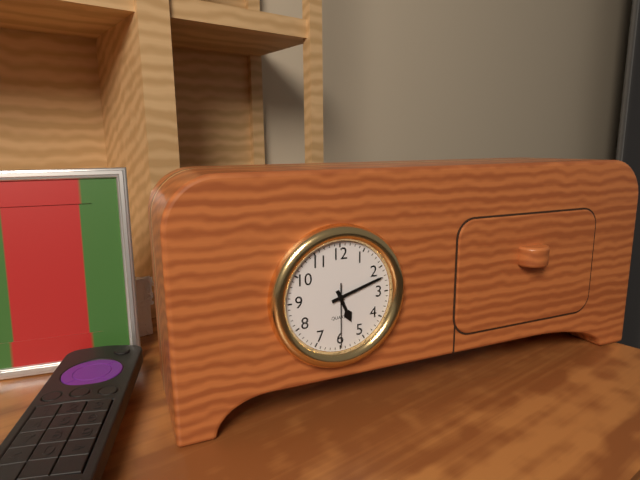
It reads 5:12:30
